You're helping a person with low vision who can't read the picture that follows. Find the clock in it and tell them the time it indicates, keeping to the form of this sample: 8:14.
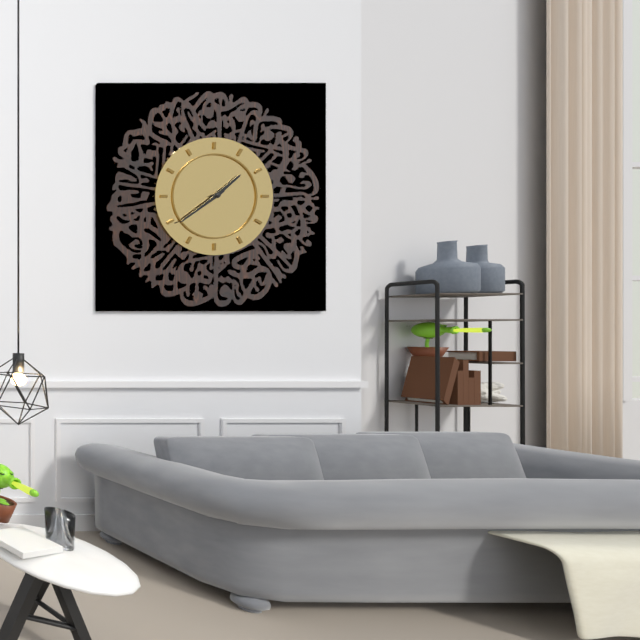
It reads 1:39
